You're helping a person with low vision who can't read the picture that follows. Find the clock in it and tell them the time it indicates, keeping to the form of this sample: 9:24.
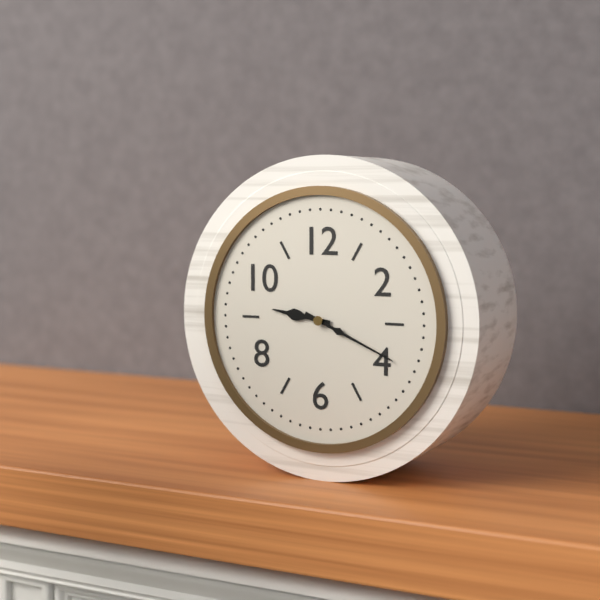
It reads 9:19
